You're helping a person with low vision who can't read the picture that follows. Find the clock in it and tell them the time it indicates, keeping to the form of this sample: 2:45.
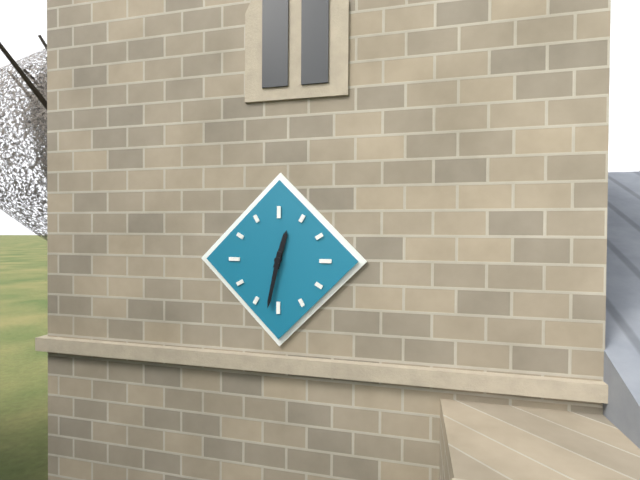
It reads 12:32
